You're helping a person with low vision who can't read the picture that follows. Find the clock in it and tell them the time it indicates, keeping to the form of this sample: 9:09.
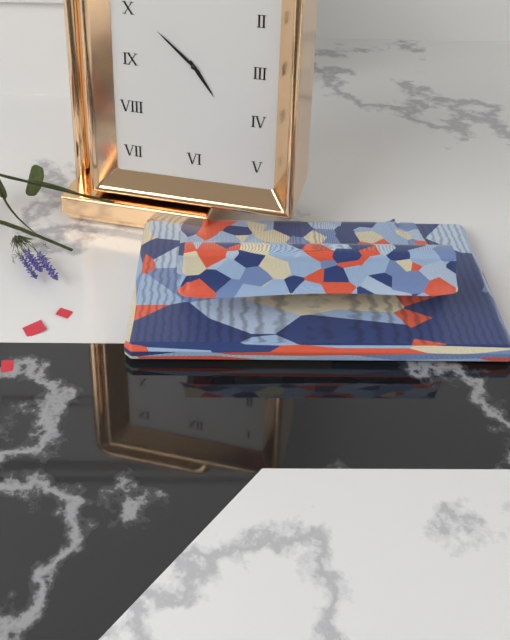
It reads 4:52
